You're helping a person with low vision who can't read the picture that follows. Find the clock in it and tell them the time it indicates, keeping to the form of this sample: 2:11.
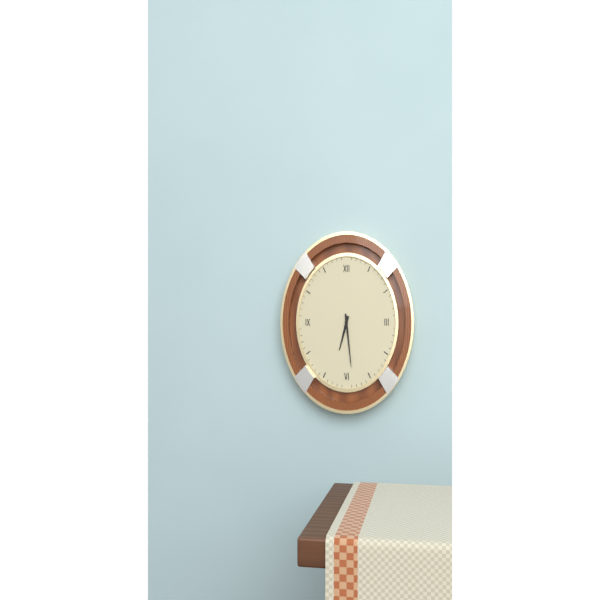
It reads 6:29
